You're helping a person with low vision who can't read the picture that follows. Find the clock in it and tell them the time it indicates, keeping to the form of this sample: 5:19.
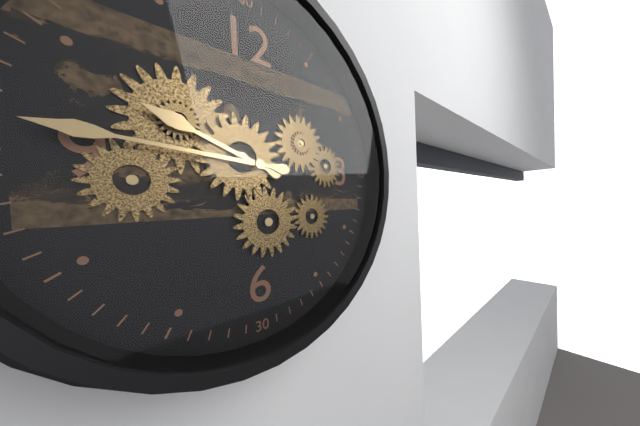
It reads 9:46
